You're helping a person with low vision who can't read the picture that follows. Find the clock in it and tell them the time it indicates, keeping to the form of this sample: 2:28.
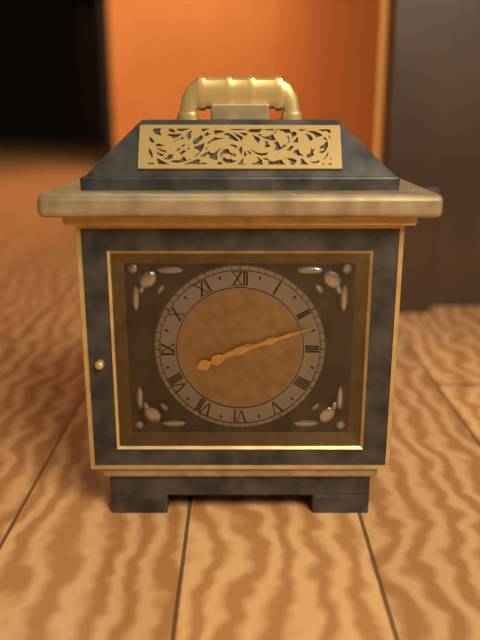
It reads 8:12
